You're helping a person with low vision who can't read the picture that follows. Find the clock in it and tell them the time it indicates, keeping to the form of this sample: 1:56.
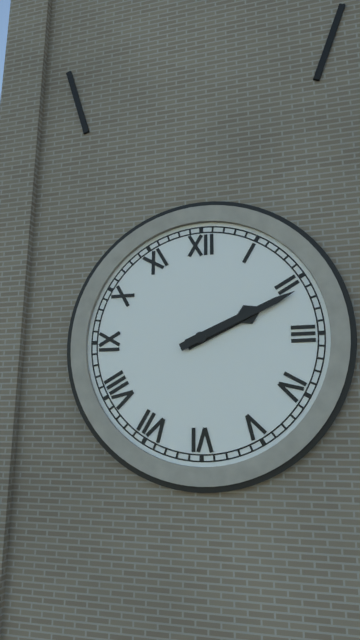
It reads 2:11
